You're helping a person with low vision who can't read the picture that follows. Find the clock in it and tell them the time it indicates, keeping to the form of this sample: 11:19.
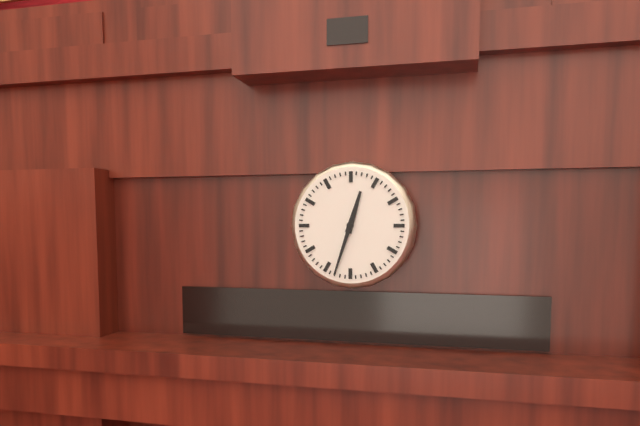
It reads 12:33
